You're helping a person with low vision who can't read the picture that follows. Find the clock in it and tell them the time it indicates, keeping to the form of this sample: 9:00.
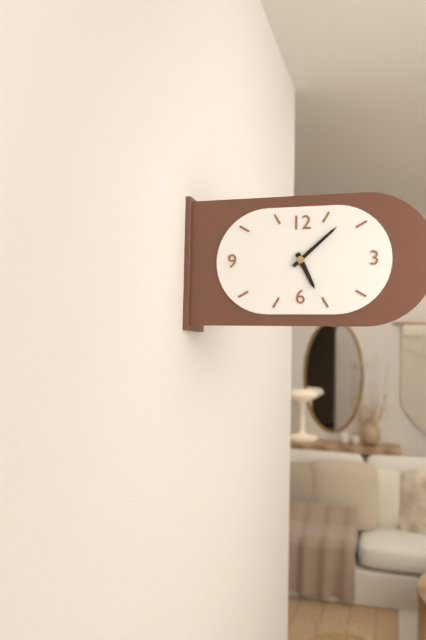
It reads 5:08
